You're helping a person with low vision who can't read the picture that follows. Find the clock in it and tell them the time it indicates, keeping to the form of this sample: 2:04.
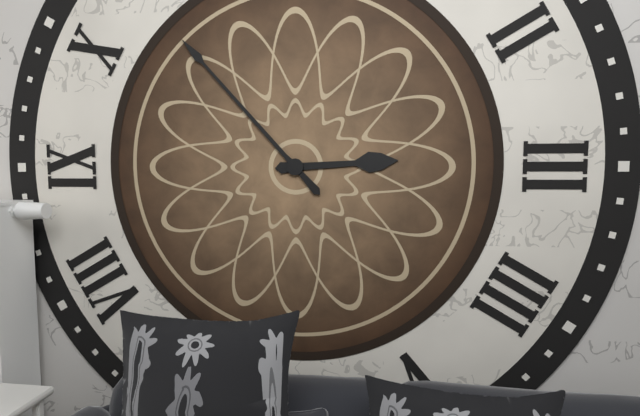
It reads 2:53
